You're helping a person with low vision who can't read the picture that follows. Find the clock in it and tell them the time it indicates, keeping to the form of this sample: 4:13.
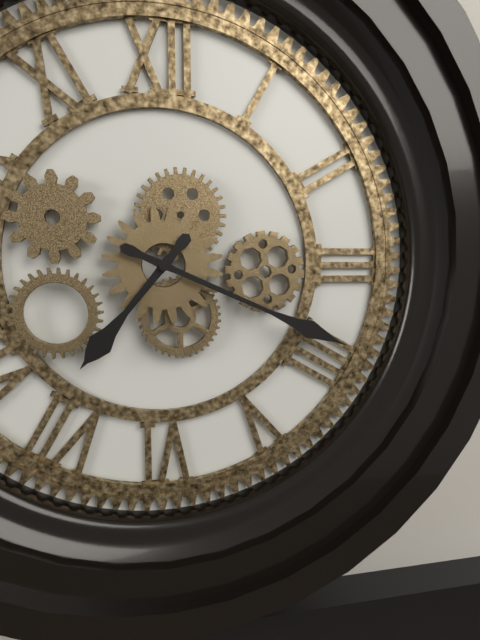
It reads 7:19
